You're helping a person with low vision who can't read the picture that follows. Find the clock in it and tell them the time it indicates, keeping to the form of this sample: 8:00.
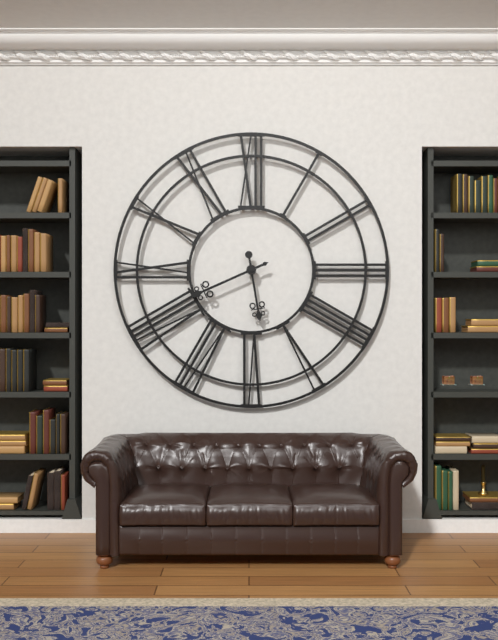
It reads 5:41
